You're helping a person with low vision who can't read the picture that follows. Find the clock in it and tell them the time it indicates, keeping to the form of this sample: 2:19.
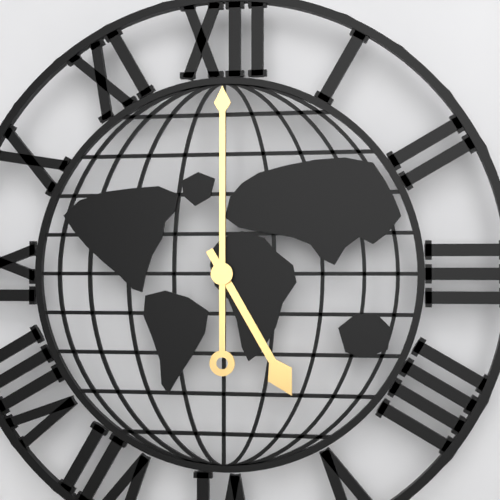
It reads 5:00
